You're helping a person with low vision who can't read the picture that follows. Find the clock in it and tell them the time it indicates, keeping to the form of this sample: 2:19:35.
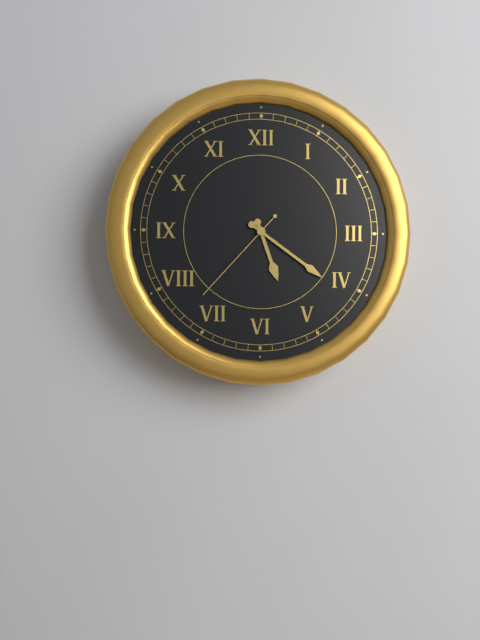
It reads 5:21:37
